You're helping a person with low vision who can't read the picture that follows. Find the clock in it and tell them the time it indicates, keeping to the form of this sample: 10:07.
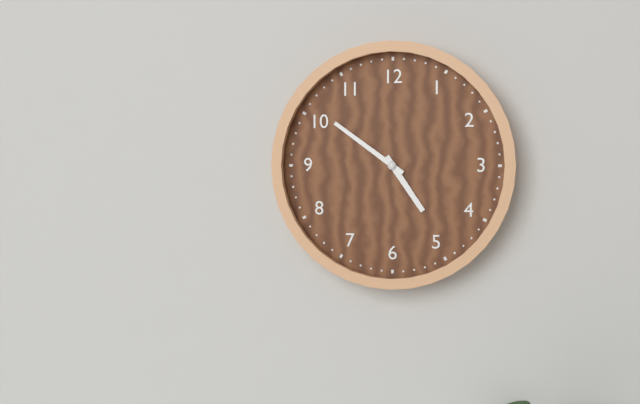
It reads 4:51
